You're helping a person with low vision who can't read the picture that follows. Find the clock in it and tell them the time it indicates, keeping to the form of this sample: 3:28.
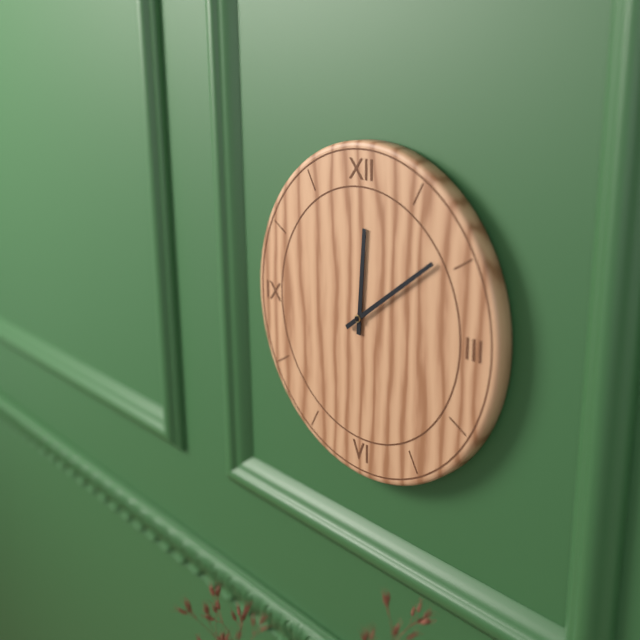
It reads 12:09
